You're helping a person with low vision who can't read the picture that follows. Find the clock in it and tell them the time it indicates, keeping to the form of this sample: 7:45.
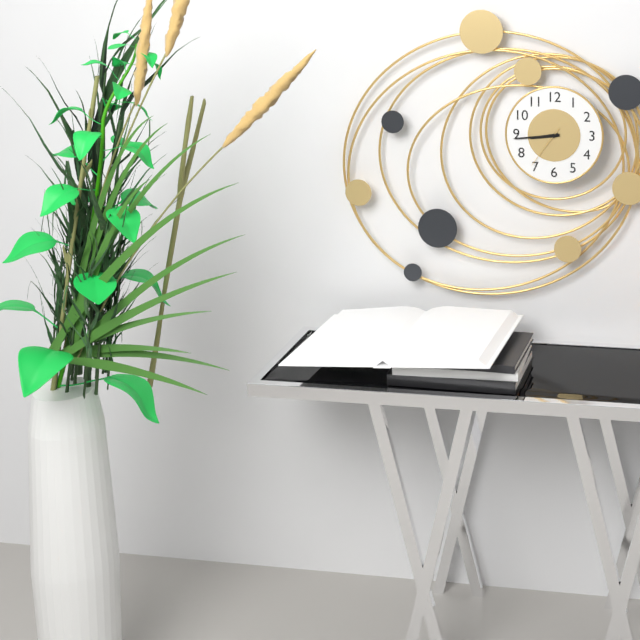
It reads 8:44
